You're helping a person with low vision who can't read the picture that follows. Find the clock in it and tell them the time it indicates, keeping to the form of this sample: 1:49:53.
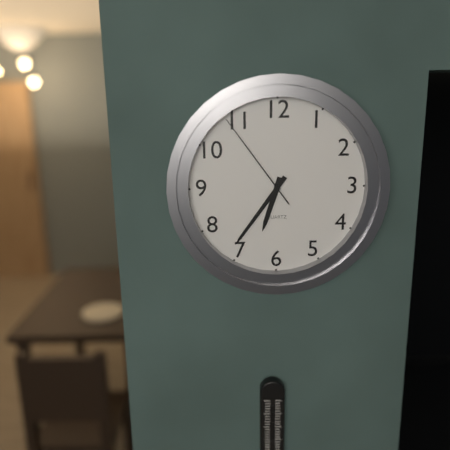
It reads 6:36:54
